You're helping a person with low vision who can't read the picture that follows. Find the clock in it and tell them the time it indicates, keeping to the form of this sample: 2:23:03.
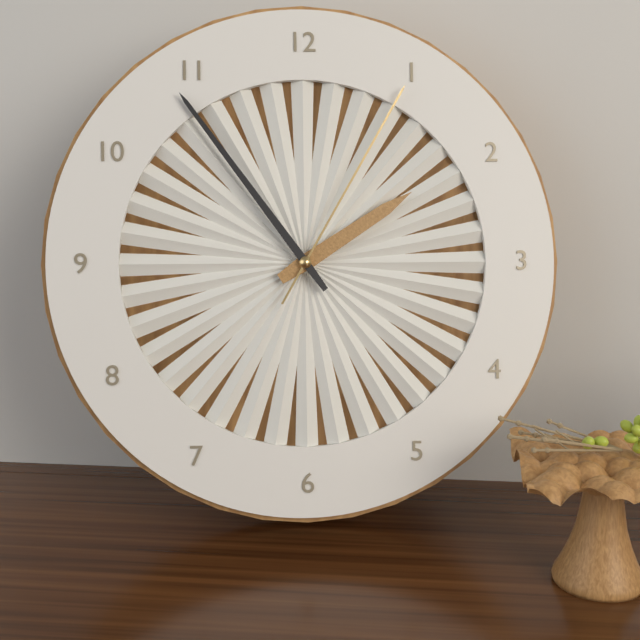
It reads 1:54:05
